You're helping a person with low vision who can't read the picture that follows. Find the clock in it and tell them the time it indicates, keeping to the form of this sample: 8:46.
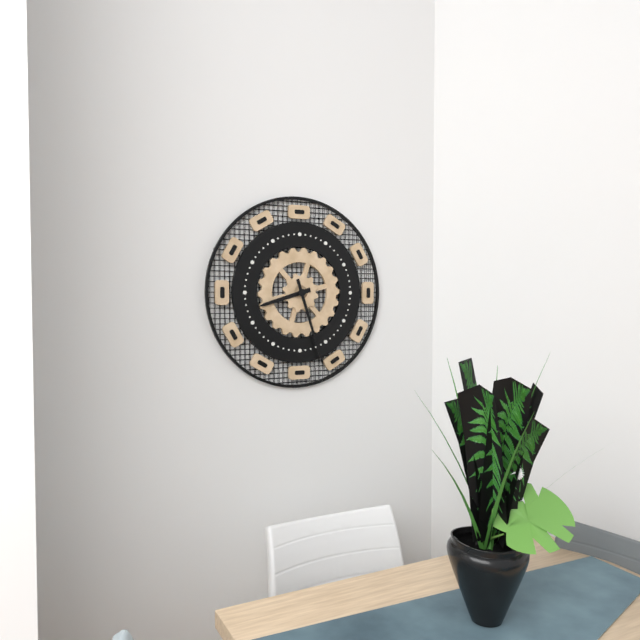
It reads 8:27
